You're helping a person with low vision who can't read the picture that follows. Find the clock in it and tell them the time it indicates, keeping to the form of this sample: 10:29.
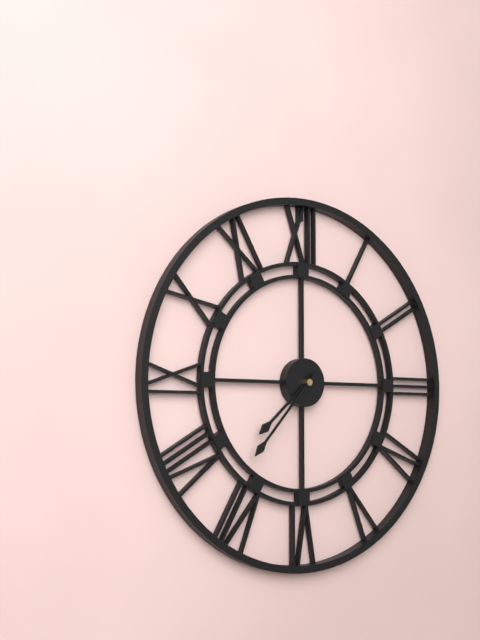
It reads 7:37
